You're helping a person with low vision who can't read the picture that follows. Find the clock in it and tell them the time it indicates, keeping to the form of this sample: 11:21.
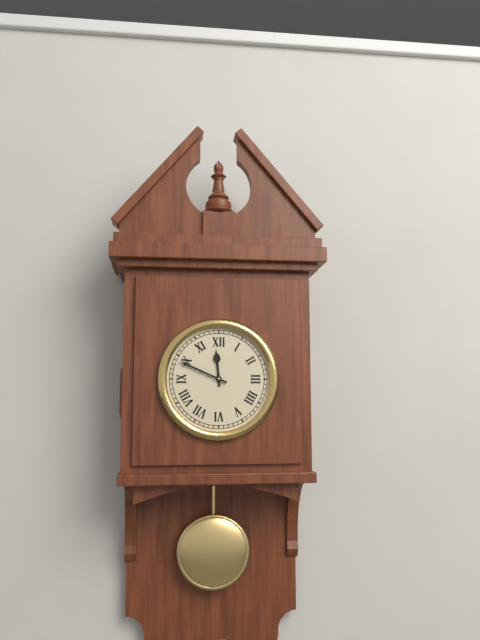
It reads 11:49
